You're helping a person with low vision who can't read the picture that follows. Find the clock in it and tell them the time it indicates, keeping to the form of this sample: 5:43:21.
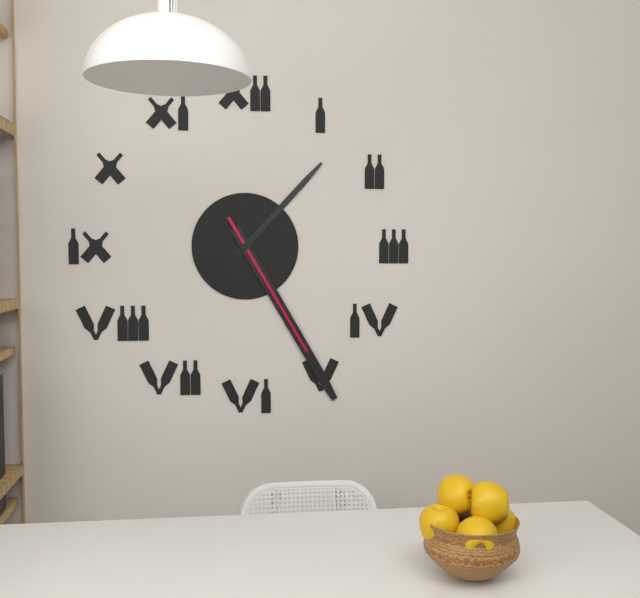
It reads 1:25:25
